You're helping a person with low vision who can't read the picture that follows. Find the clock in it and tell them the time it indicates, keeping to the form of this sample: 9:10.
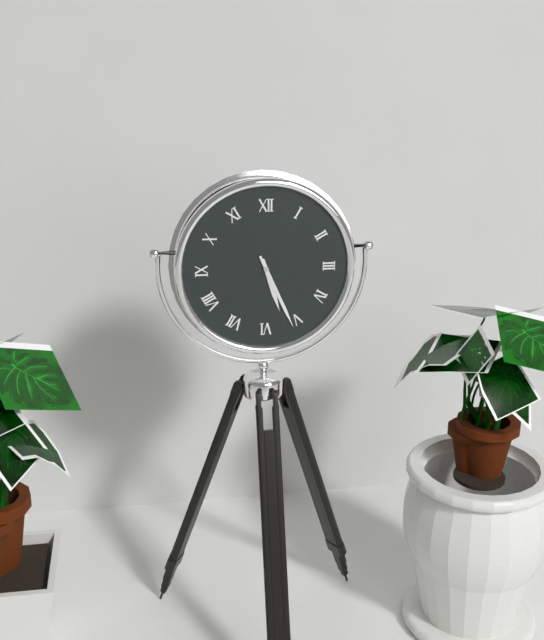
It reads 5:26
